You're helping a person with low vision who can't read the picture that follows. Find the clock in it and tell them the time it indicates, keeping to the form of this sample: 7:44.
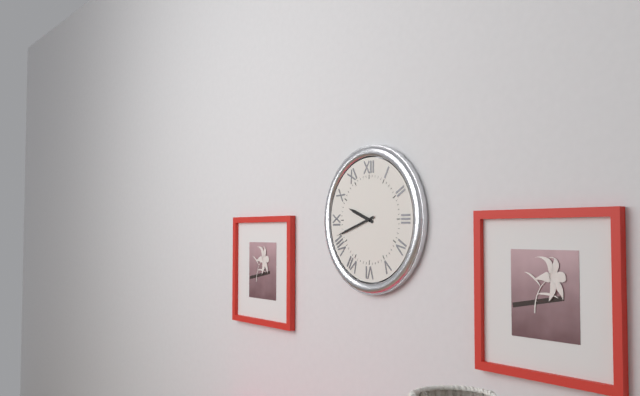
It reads 9:42
